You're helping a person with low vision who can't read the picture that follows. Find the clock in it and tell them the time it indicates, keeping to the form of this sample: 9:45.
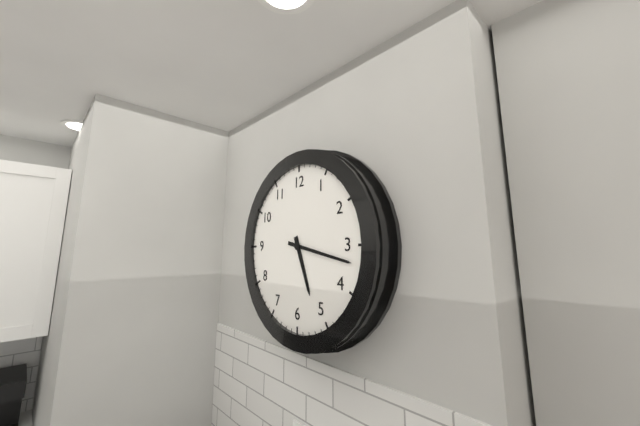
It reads 5:17
